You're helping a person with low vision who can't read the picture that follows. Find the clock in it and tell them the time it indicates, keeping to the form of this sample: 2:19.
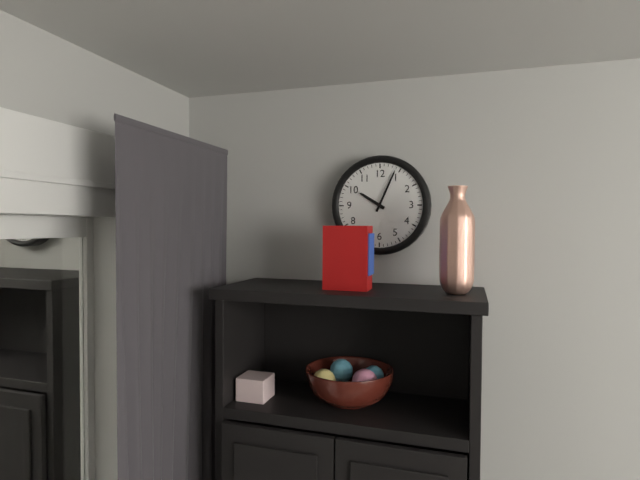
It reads 10:04
